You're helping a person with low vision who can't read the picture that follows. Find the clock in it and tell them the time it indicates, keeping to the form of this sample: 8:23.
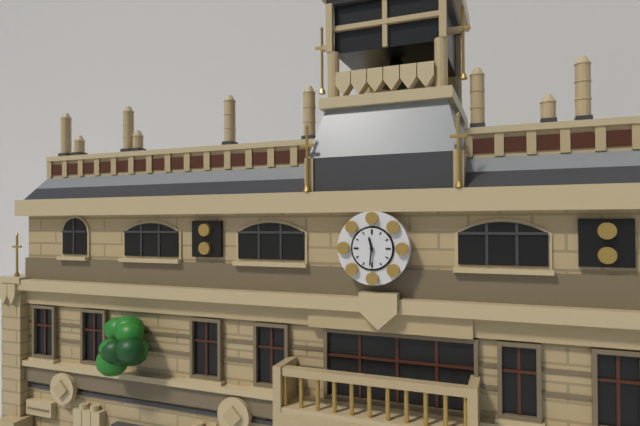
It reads 11:31
